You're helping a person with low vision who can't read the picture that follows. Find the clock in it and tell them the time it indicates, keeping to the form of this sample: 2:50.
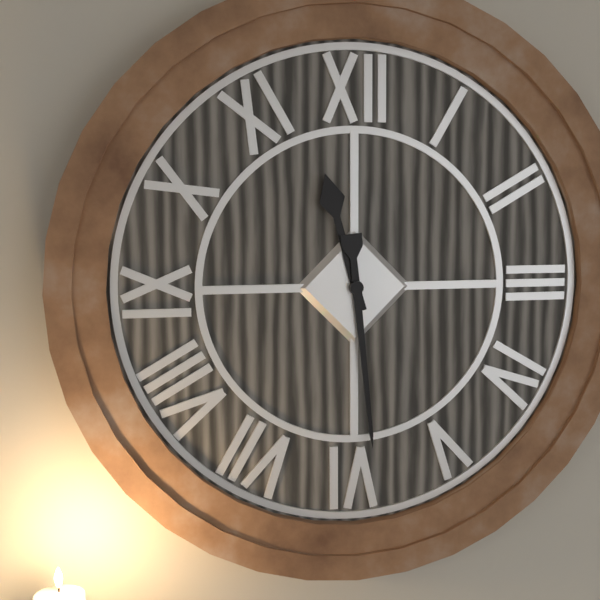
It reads 11:29
